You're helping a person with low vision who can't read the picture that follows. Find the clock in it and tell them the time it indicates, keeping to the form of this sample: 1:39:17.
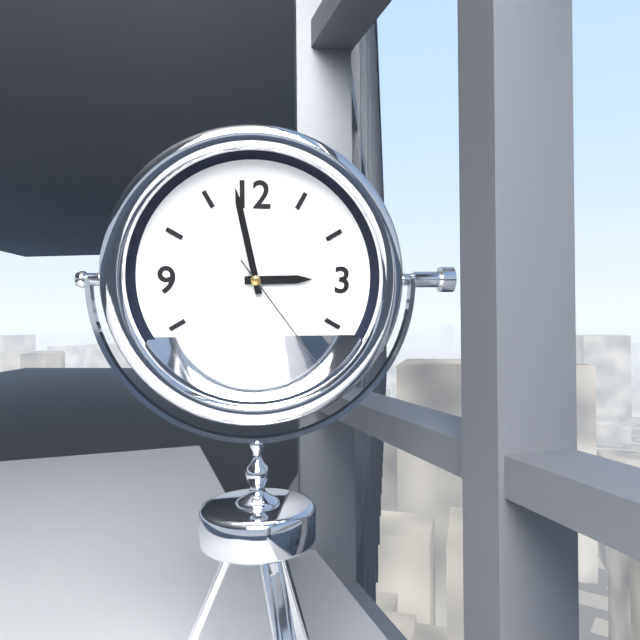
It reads 2:58:24
